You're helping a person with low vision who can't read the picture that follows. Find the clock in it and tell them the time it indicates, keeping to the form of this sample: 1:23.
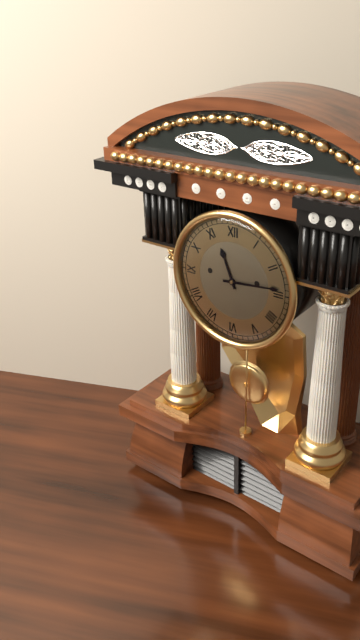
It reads 11:14
